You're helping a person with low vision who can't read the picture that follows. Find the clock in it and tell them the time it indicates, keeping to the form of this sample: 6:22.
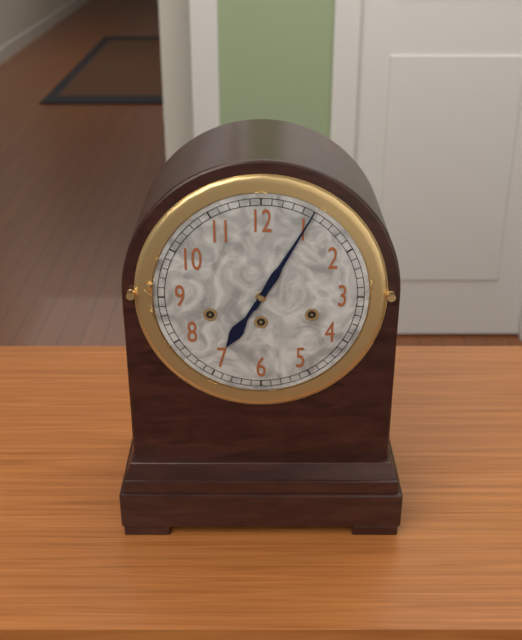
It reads 7:05
